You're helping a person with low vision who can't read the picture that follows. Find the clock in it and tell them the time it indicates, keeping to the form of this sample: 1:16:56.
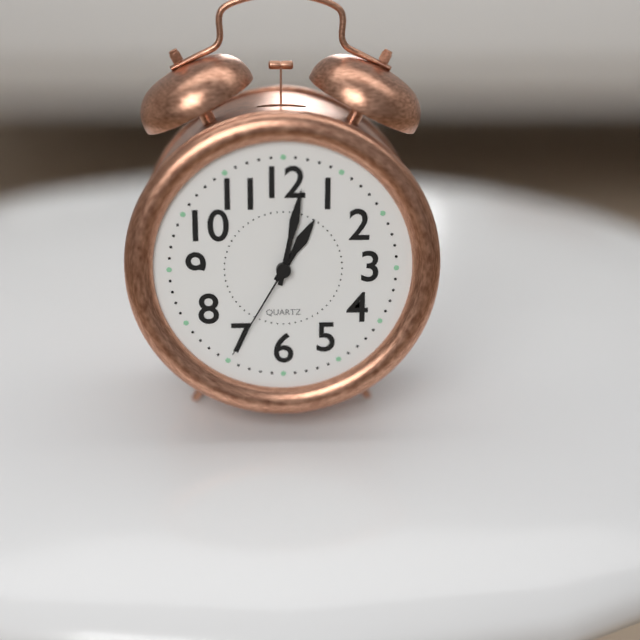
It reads 1:02:35
